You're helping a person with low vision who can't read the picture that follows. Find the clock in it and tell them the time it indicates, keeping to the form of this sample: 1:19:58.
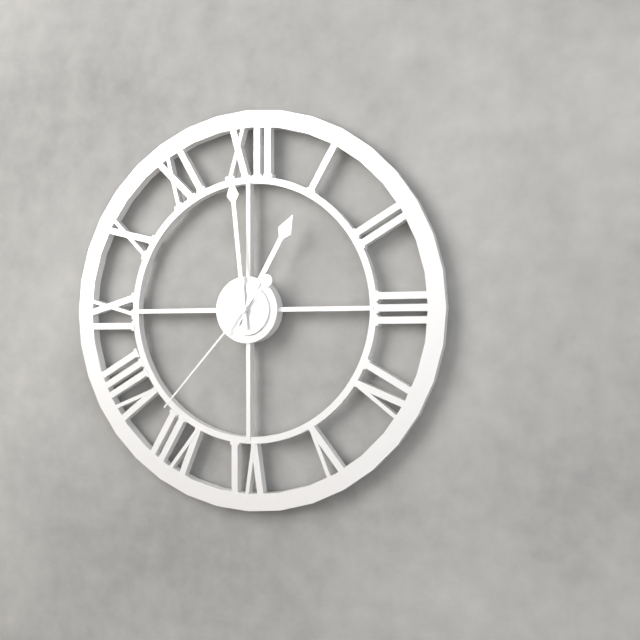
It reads 12:59:37
